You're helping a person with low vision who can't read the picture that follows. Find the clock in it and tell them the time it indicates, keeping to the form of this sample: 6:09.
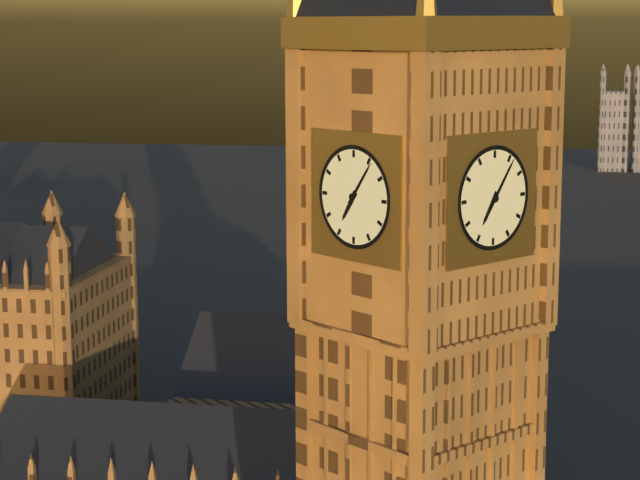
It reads 7:06
